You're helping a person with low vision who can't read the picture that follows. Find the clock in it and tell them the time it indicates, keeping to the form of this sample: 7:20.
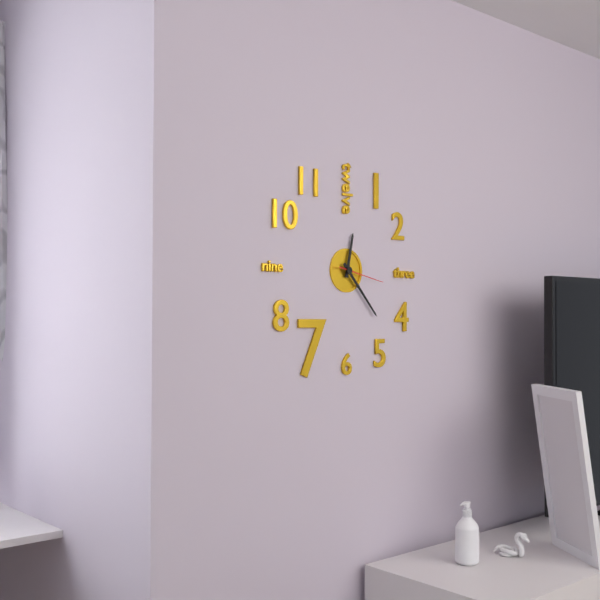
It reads 12:23
